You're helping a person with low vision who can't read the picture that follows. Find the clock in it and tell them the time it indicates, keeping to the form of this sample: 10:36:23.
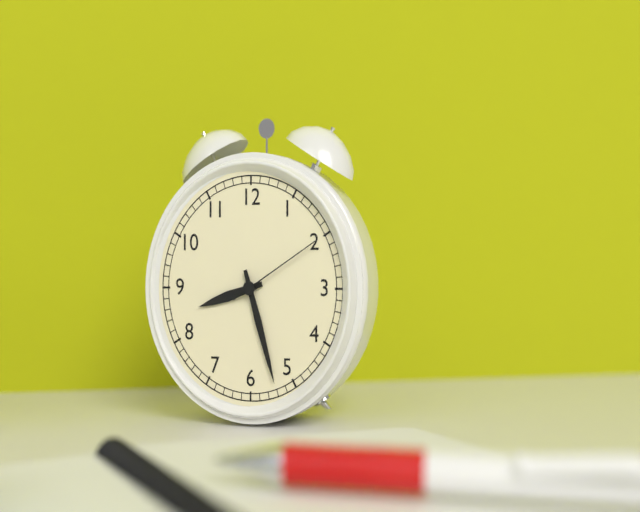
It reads 8:27:10
